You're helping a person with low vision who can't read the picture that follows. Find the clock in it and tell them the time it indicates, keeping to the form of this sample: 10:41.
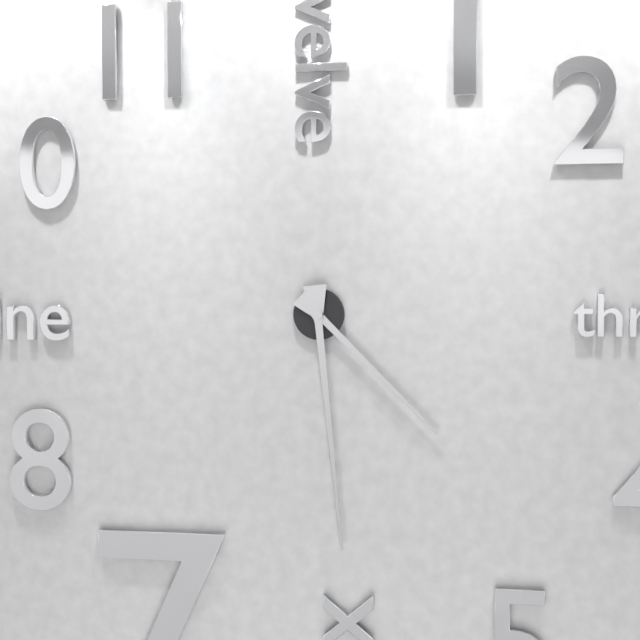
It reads 4:29
